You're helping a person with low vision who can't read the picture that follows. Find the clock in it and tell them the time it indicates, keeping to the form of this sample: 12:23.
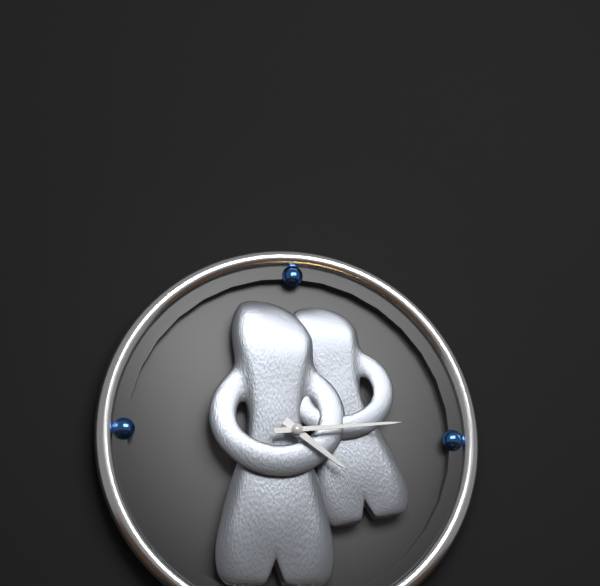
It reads 4:14
